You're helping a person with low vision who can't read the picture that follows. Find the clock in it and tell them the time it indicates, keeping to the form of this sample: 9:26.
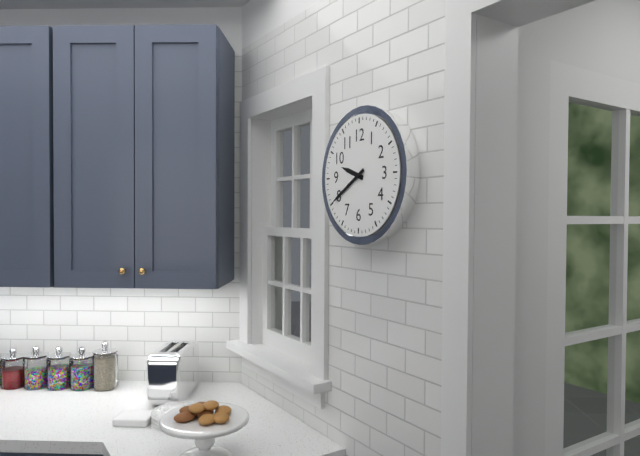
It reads 9:40
